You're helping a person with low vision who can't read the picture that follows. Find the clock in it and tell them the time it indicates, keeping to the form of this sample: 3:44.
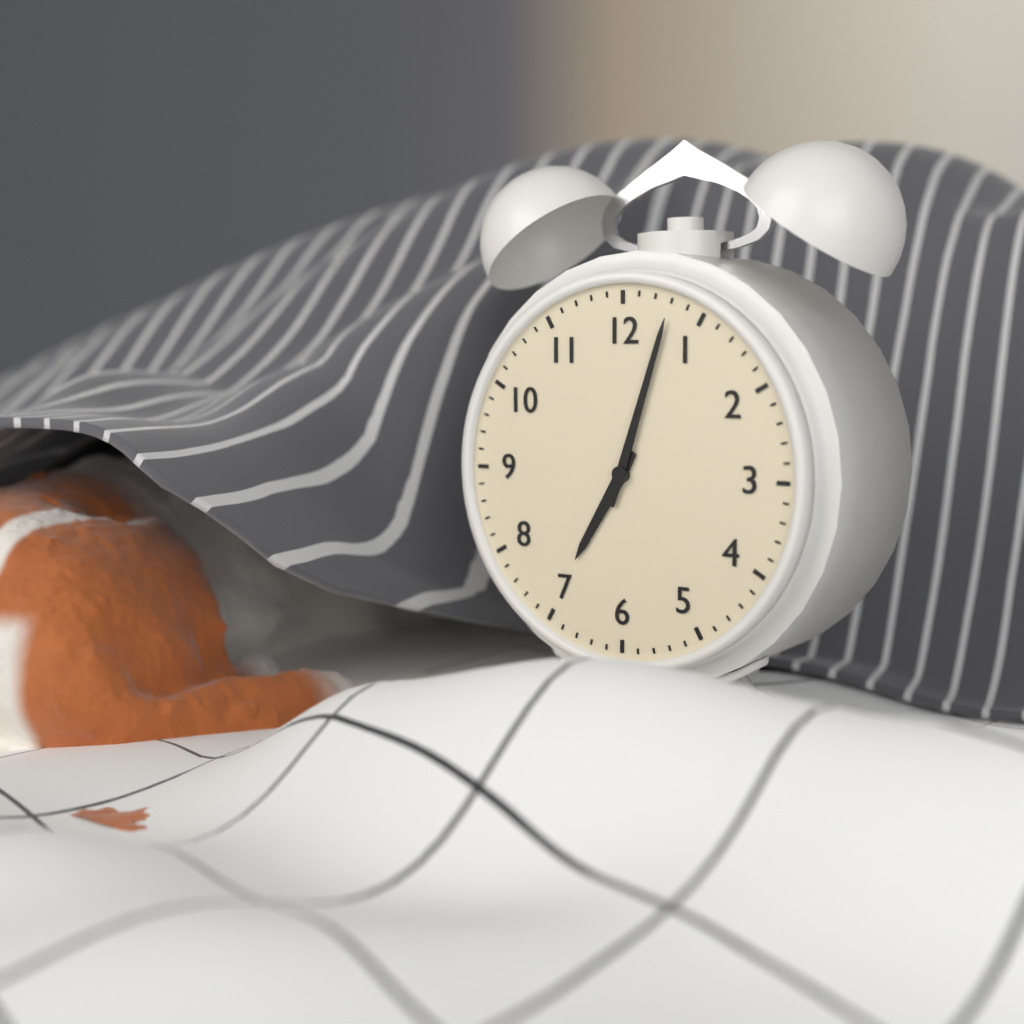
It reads 7:03
